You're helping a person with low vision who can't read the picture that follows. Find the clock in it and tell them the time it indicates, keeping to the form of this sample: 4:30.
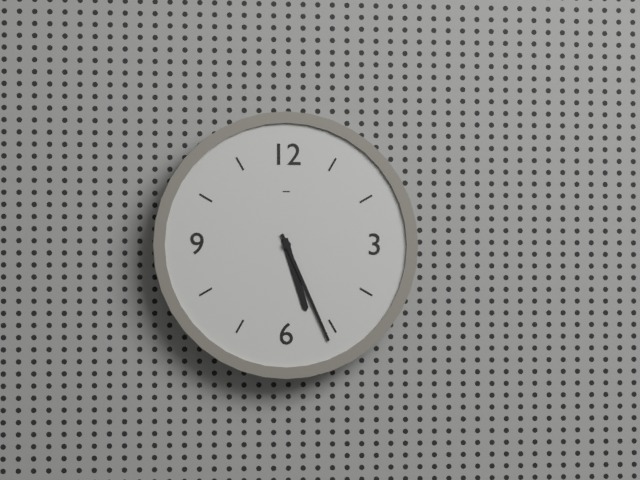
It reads 5:26
